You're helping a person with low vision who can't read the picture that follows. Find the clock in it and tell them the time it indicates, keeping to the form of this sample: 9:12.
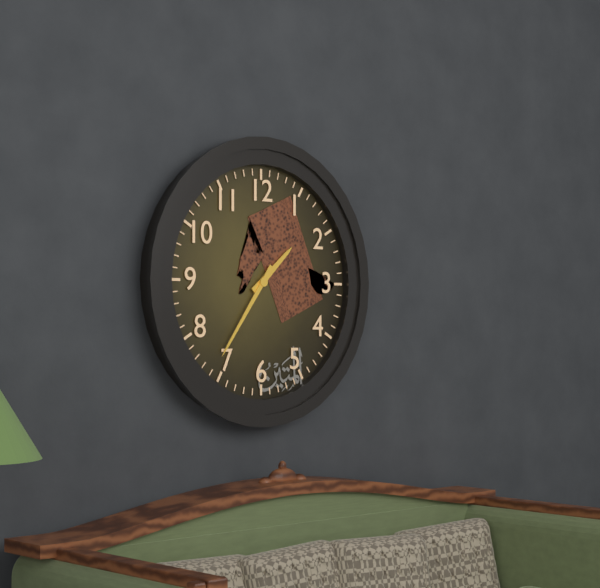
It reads 1:36
